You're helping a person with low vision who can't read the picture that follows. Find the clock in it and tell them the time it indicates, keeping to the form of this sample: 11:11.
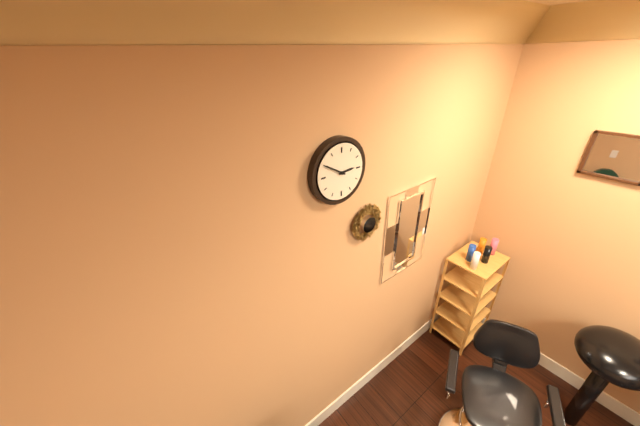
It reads 2:50
